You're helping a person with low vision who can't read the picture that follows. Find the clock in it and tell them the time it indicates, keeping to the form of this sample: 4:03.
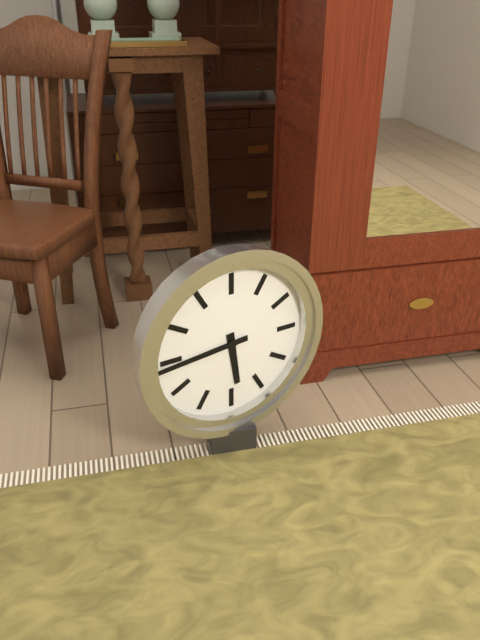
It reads 5:44
